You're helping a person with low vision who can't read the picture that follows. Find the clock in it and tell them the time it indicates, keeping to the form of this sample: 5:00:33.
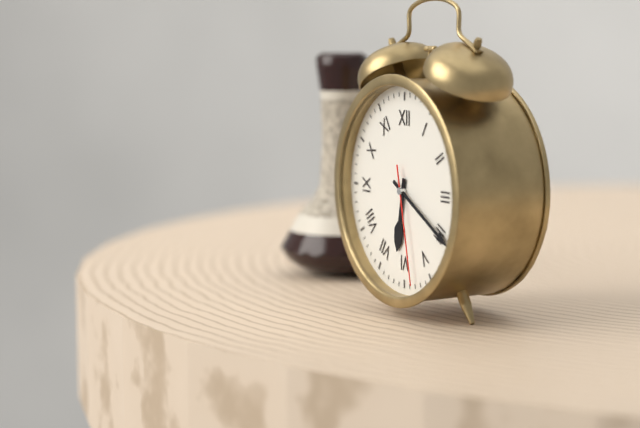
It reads 6:20:28
